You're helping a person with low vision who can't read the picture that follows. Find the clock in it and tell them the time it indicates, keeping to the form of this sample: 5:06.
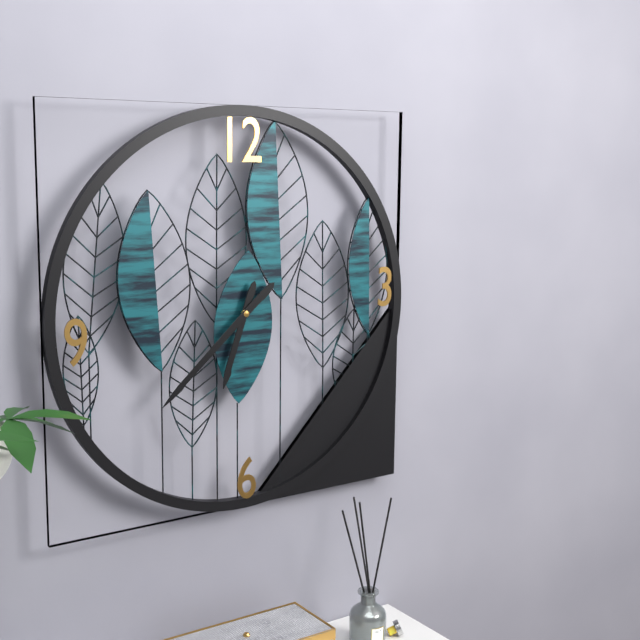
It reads 6:38
